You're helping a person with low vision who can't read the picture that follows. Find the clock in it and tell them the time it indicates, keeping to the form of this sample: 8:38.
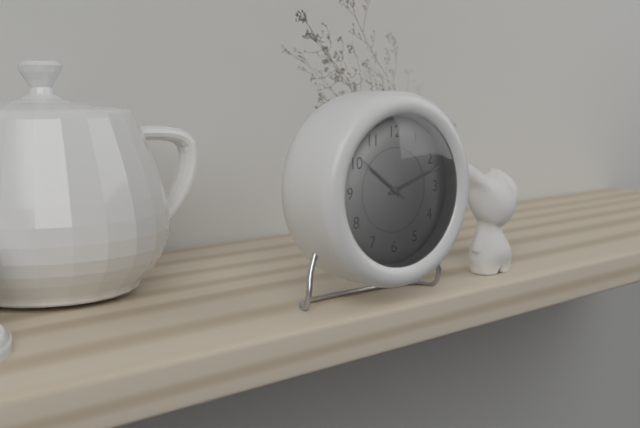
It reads 10:12
